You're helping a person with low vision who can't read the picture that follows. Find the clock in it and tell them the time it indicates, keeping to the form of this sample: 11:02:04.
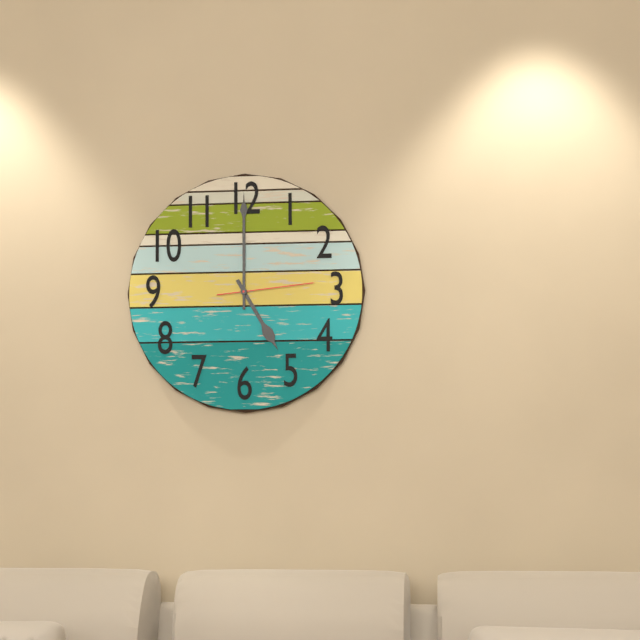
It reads 5:00:14
